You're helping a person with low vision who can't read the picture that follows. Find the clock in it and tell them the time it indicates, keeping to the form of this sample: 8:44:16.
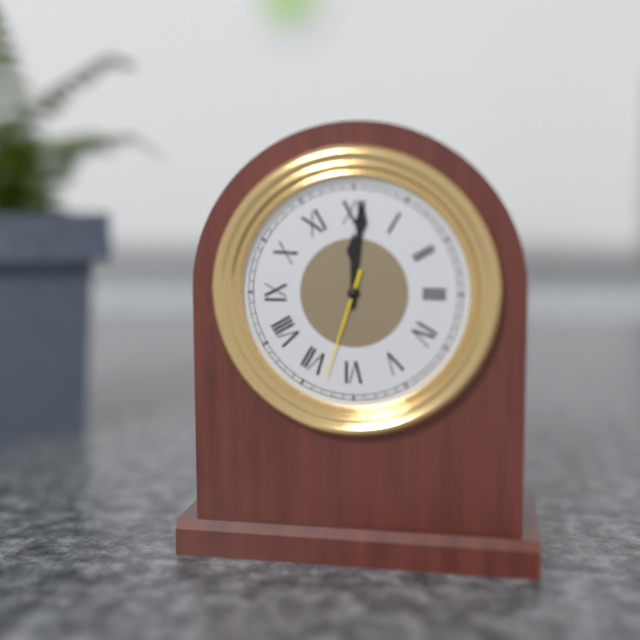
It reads 12:01:33
